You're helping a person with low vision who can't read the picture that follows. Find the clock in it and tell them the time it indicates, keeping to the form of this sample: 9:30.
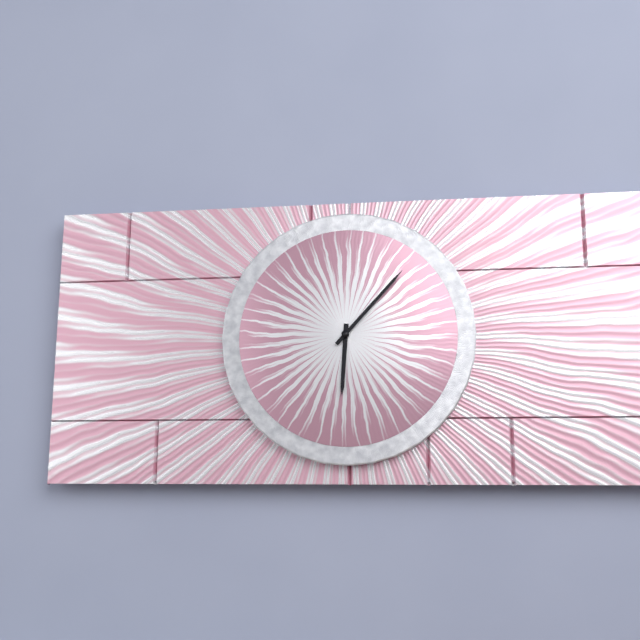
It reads 6:07
